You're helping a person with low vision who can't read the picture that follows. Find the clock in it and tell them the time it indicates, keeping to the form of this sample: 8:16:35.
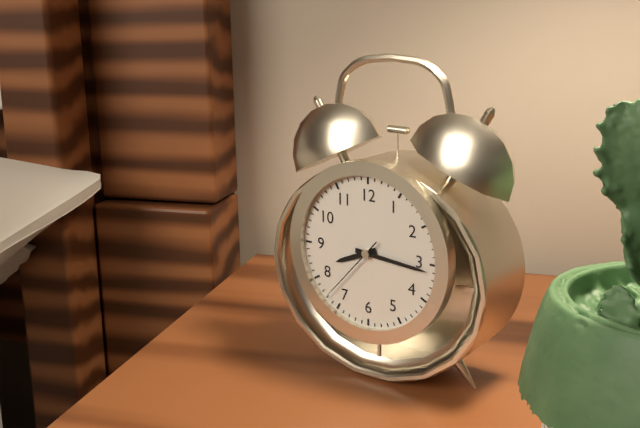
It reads 8:16:37
